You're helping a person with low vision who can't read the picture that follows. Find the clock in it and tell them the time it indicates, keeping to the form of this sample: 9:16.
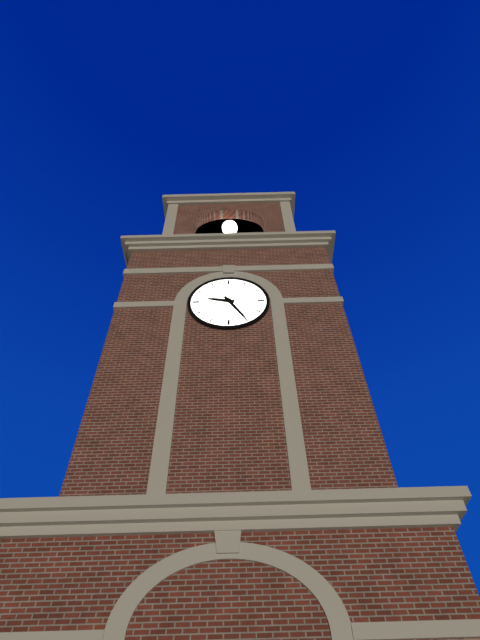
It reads 9:25
